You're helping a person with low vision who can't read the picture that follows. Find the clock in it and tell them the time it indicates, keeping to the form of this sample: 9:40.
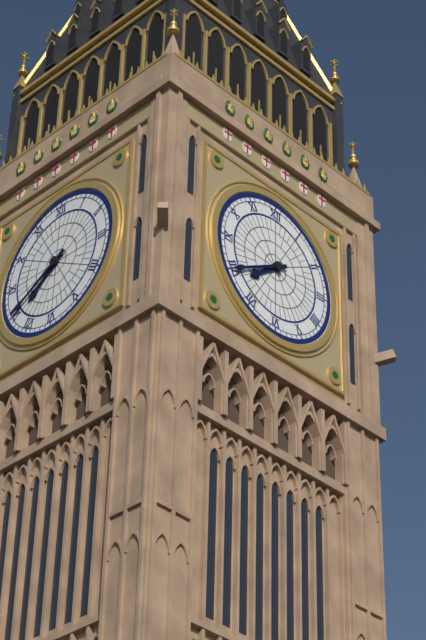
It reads 7:40
